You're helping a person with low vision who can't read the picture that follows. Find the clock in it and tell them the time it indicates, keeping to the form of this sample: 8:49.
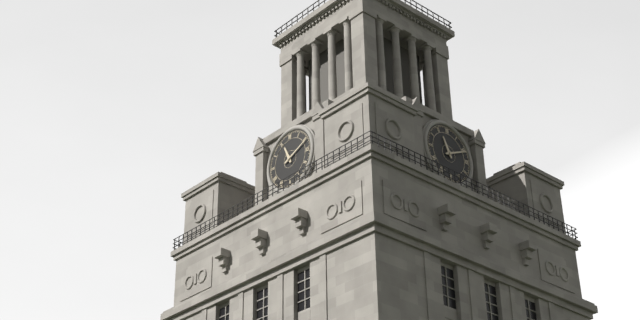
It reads 11:11
